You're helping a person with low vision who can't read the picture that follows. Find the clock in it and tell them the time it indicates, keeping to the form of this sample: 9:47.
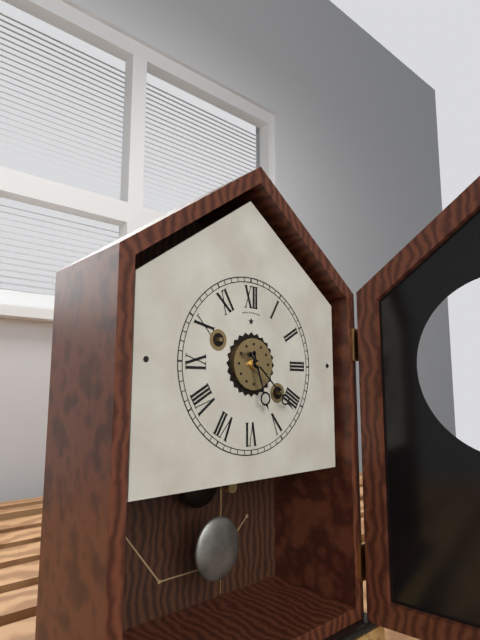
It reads 5:22
